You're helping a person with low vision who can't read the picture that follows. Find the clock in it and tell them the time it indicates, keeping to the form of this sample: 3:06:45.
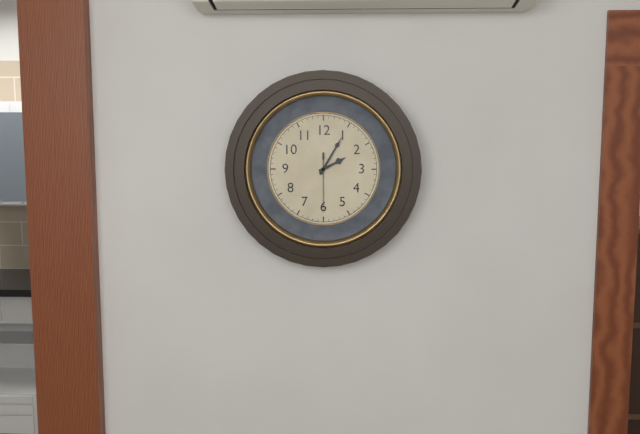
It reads 2:05:30
